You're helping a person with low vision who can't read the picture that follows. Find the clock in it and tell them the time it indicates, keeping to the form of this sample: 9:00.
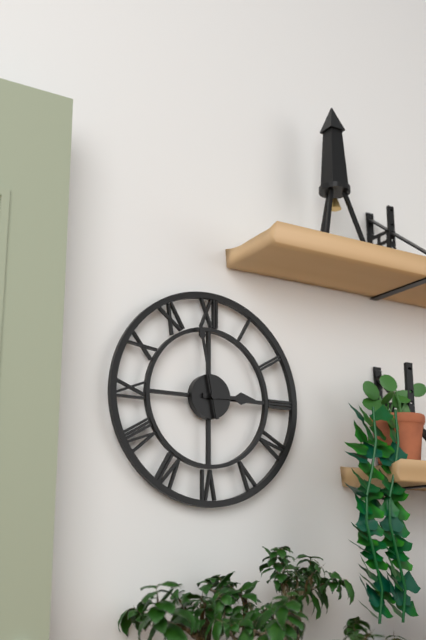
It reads 2:58
